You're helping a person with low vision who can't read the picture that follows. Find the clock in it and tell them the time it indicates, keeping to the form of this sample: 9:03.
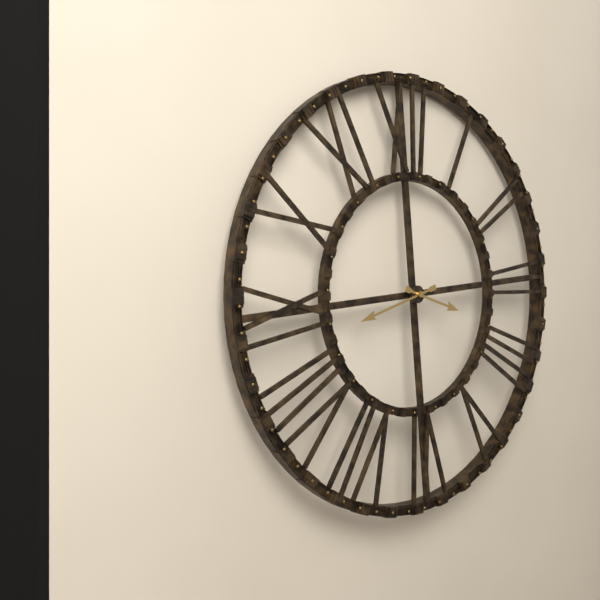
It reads 3:43
